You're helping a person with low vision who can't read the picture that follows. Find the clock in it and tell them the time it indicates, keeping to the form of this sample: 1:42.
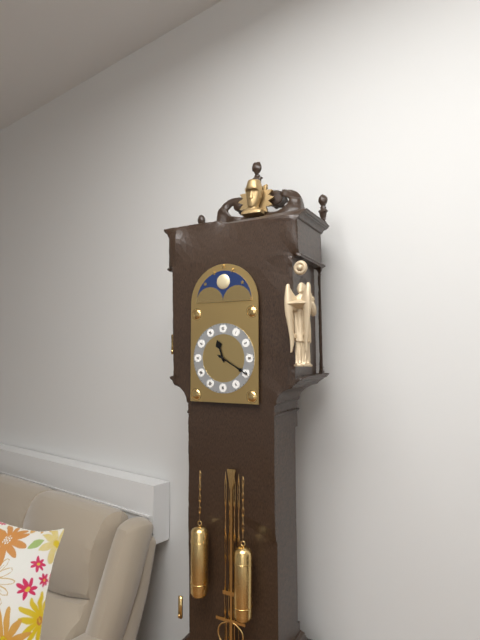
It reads 11:20
